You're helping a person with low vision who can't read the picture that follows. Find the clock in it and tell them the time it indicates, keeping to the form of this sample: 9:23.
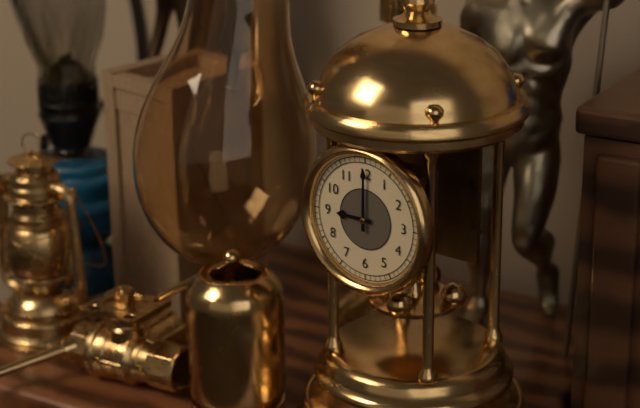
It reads 9:00
